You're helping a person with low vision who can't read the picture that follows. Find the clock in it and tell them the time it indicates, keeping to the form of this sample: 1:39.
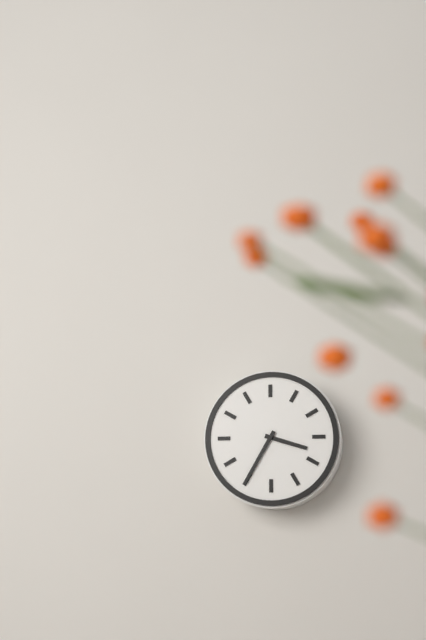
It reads 3:35
